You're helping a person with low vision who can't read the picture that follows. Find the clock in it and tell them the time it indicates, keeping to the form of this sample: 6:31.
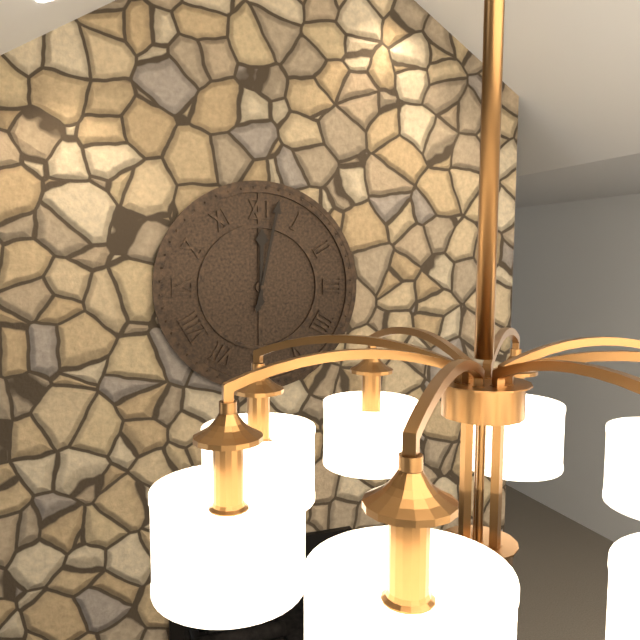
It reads 12:02
